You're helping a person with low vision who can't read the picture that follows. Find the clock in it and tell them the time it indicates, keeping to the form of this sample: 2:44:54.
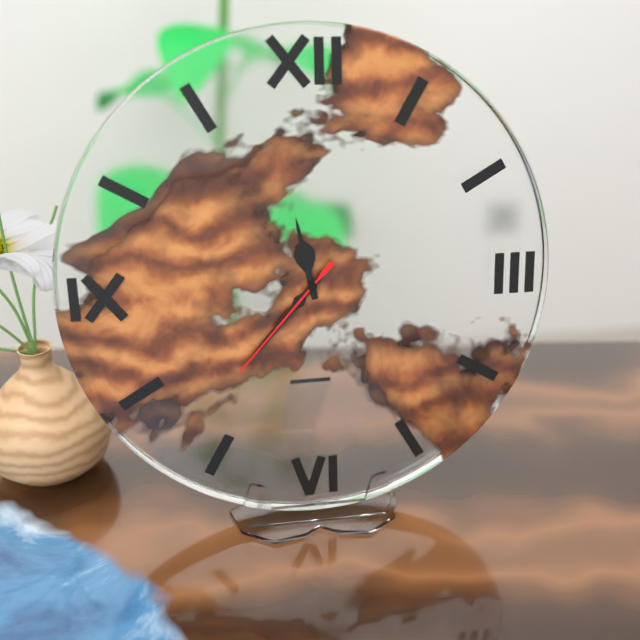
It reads 11:37:37
